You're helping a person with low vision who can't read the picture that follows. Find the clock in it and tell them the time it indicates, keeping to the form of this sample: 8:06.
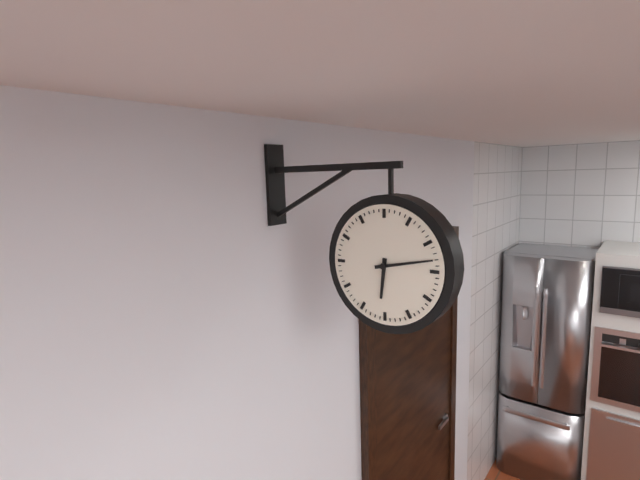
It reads 6:13
